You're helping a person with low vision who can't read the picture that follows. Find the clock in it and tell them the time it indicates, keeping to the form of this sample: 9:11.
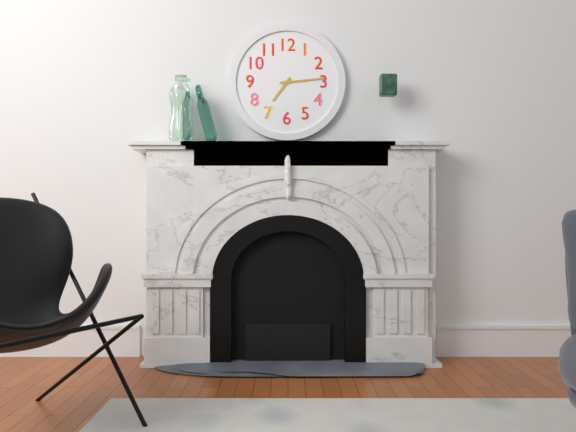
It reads 7:14
